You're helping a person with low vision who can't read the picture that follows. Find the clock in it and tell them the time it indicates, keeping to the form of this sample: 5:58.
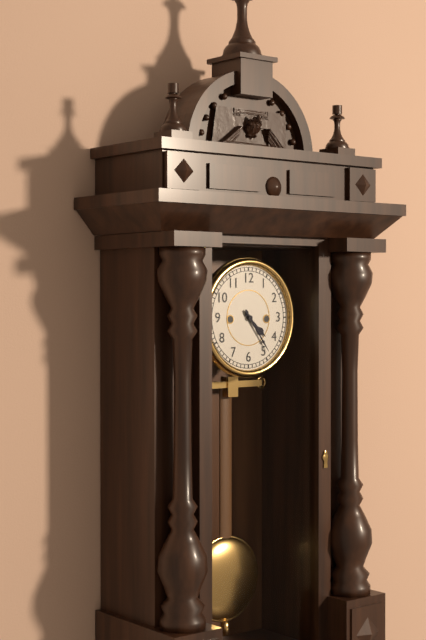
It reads 4:24
